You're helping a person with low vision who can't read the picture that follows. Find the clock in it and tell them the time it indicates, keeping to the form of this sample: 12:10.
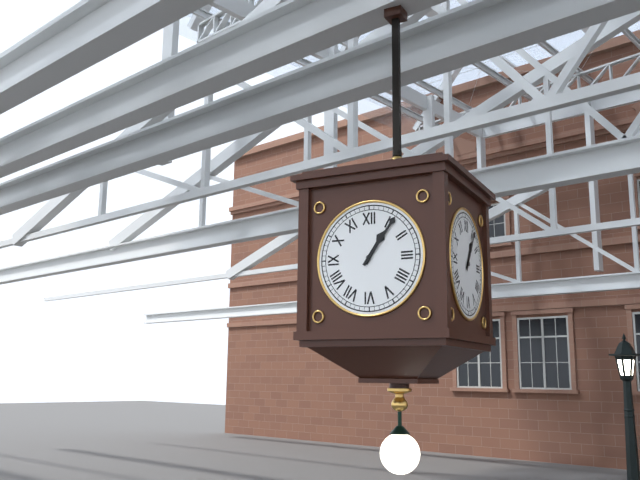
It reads 1:06
